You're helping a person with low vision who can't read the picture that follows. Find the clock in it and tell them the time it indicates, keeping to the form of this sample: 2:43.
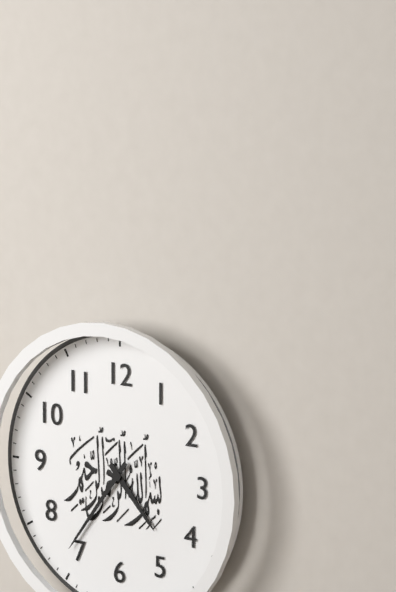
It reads 4:36
